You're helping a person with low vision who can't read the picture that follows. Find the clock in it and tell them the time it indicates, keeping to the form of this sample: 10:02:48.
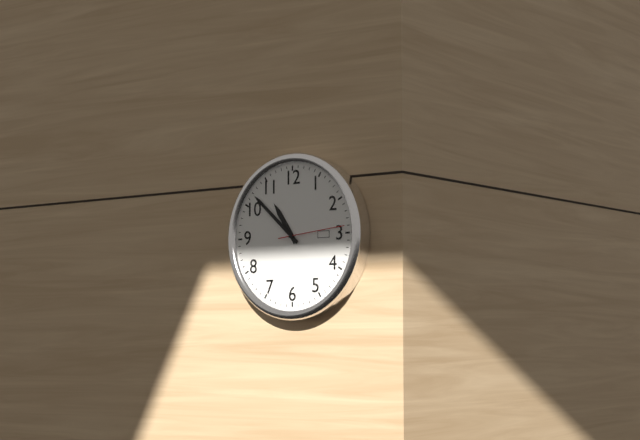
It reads 10:52:14
